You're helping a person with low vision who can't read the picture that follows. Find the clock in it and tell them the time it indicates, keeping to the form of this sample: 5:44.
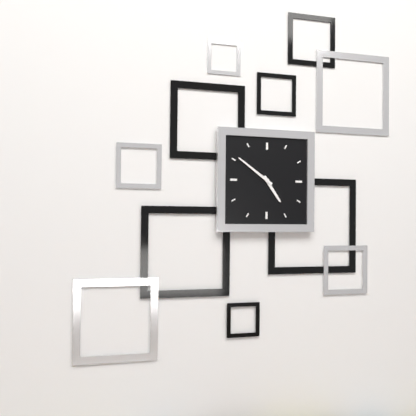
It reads 4:51
